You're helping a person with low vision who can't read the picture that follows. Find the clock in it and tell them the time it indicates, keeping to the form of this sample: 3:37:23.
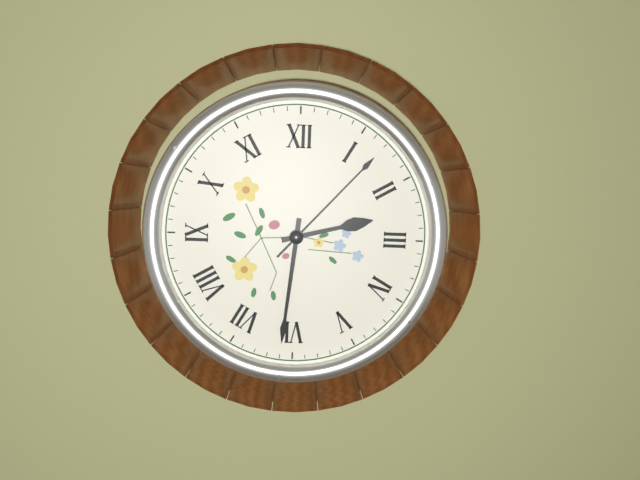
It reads 2:31:07
